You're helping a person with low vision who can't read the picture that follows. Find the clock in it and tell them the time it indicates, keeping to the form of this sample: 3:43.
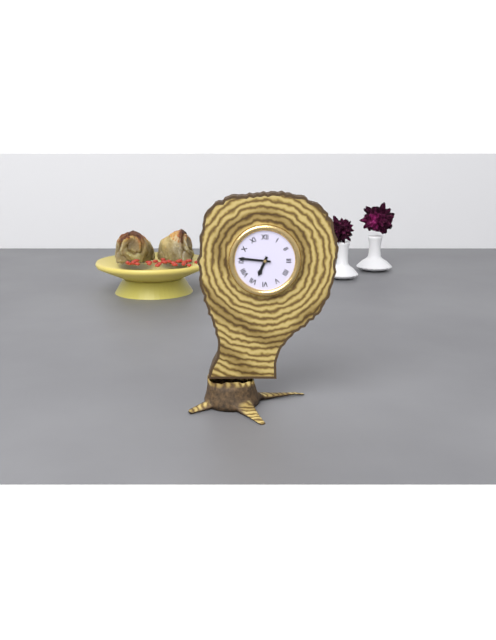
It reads 6:46
